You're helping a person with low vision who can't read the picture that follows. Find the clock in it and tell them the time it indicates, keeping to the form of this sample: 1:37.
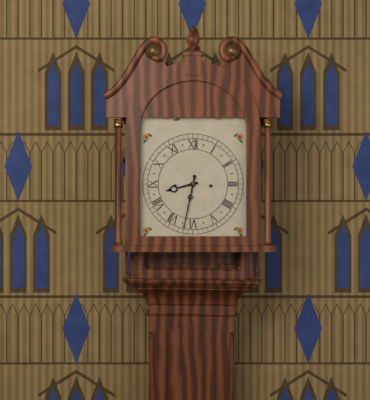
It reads 8:32
